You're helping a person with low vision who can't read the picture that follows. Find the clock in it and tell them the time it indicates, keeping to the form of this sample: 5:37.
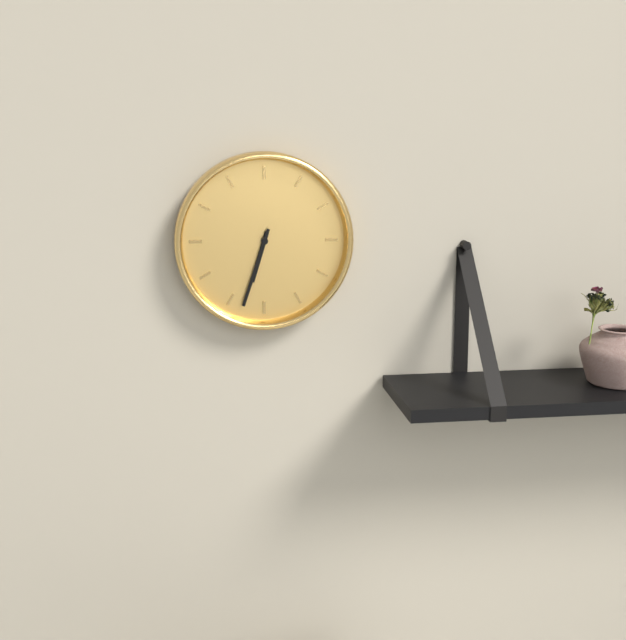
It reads 6:33
